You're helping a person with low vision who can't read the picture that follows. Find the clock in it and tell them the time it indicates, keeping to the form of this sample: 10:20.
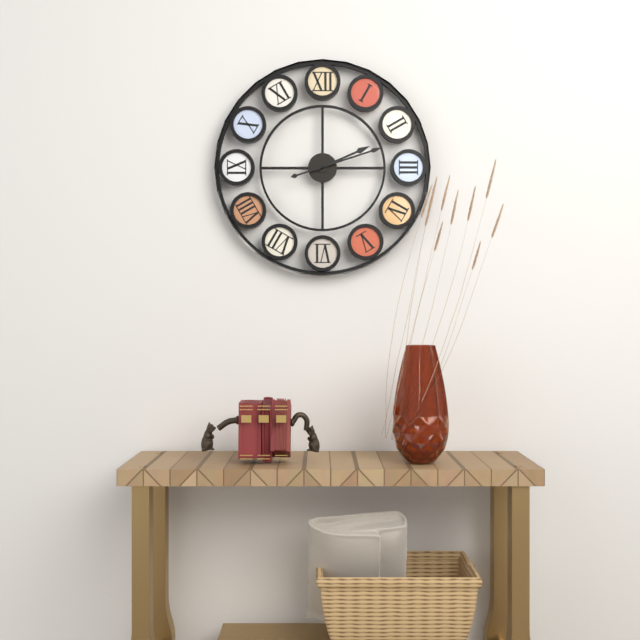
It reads 2:12
